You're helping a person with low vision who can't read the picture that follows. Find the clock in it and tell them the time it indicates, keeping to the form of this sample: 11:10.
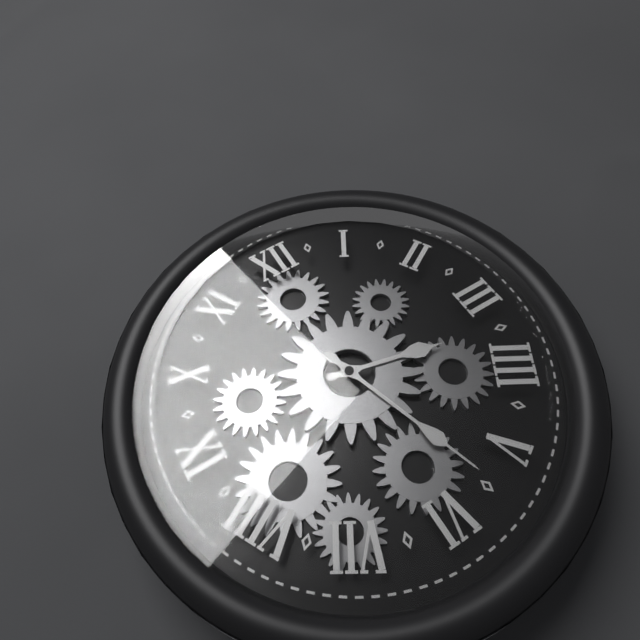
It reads 3:27
